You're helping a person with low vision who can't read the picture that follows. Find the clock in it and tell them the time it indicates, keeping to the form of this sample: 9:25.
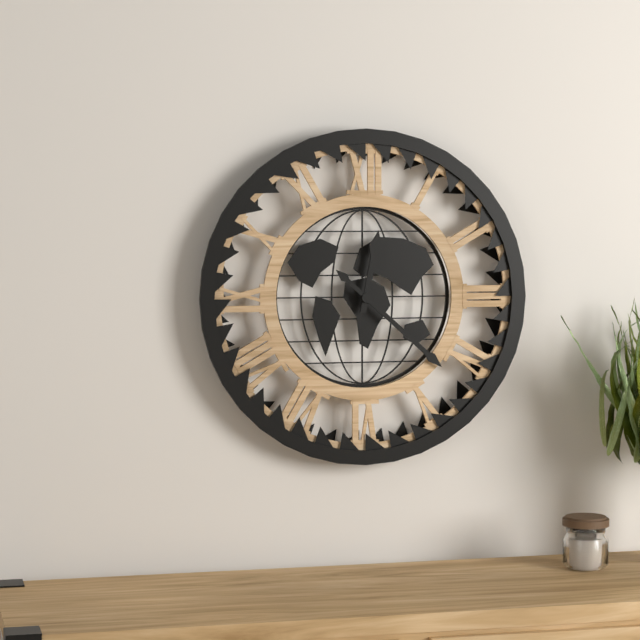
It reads 12:22
